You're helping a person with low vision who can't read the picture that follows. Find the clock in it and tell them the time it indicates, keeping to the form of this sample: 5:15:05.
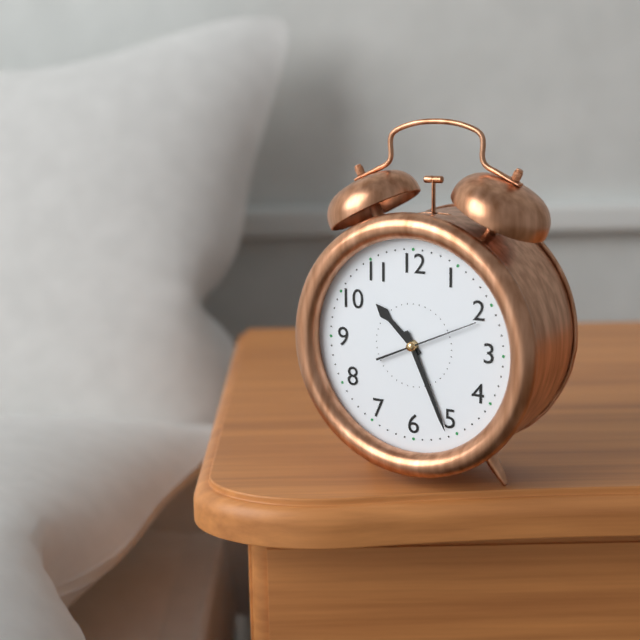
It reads 10:26:11
